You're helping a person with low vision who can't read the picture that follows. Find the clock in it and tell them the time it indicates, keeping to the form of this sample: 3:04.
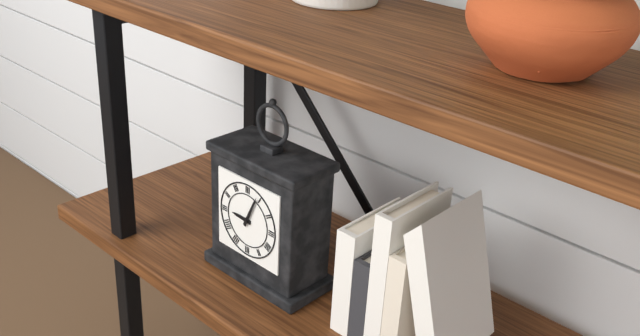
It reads 9:04
